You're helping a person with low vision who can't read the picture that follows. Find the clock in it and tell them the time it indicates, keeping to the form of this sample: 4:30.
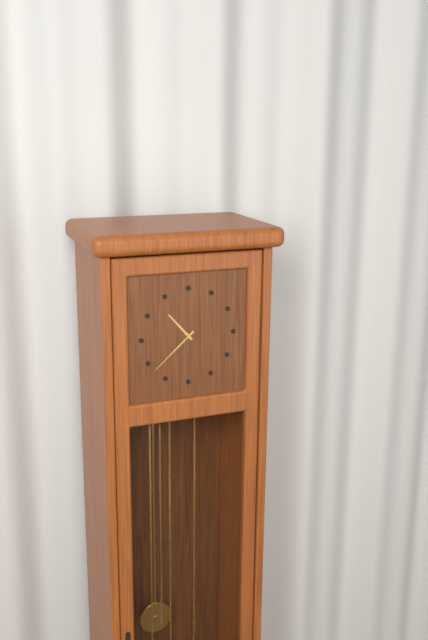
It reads 10:38
